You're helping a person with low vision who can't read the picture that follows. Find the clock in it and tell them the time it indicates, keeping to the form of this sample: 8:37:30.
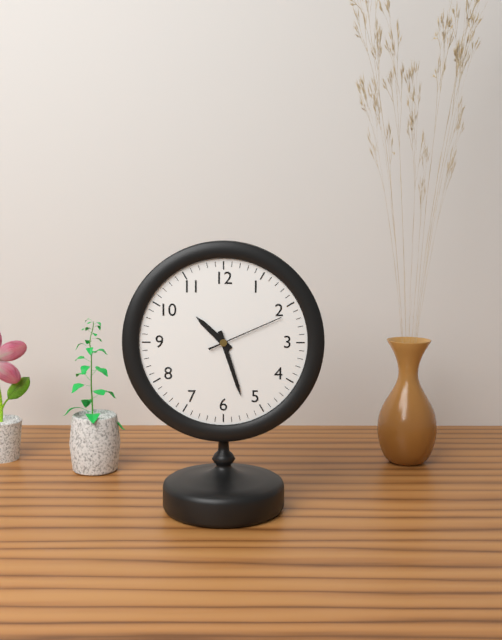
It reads 10:27:11
